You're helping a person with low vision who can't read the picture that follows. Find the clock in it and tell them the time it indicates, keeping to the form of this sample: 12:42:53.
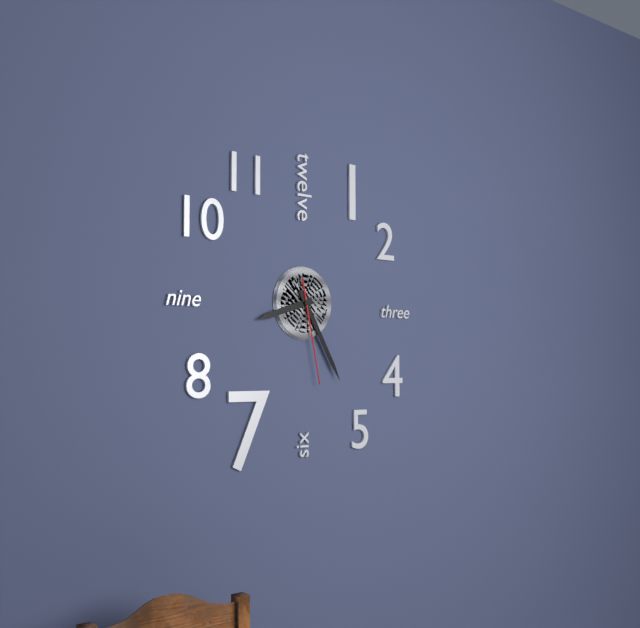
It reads 8:25:28
